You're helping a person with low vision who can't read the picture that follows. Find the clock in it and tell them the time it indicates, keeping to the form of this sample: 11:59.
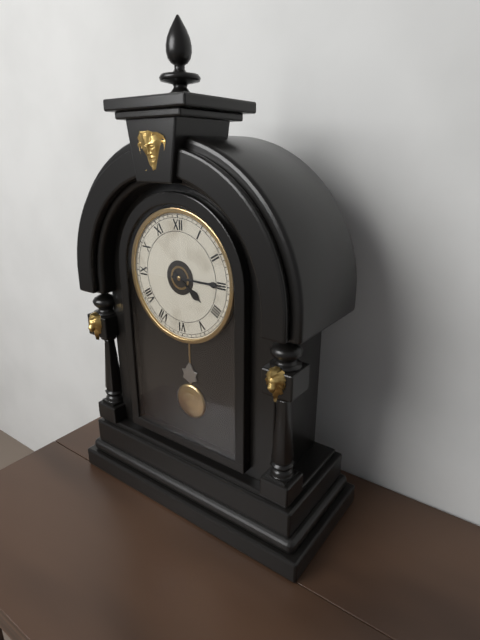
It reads 4:15
